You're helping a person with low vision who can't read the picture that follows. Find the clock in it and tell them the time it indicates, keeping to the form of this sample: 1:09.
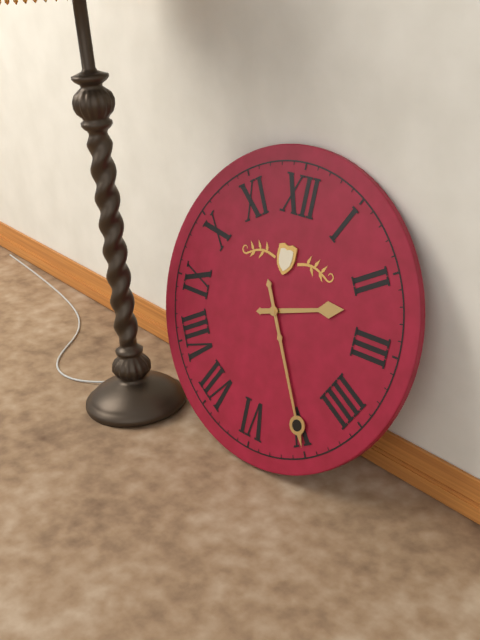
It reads 2:25
